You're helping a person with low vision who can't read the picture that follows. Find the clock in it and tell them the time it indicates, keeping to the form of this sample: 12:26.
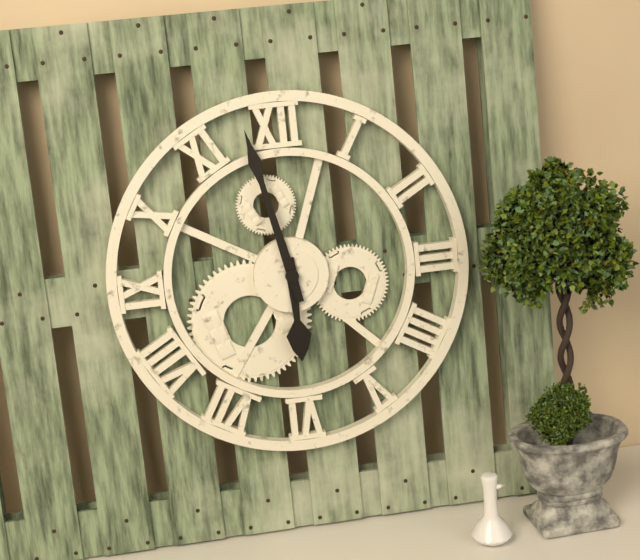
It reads 5:58
